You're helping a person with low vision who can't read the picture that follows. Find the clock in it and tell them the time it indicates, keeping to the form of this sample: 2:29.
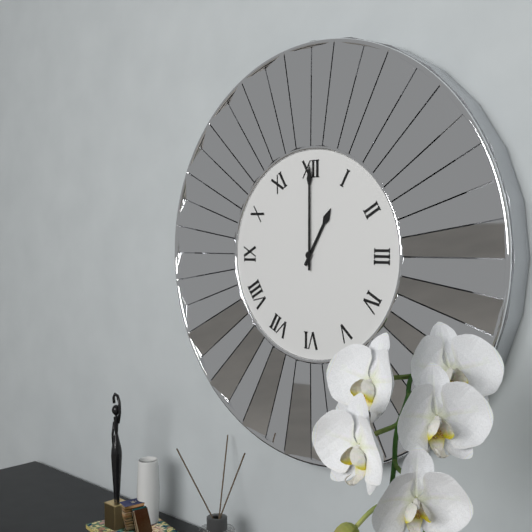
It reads 1:00
